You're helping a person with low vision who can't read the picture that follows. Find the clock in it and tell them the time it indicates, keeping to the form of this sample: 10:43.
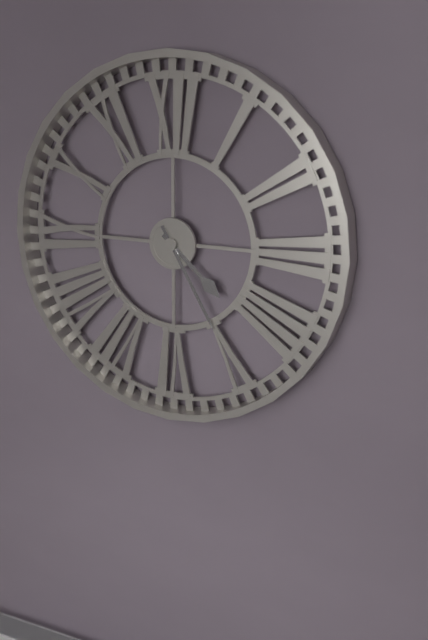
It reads 4:25
